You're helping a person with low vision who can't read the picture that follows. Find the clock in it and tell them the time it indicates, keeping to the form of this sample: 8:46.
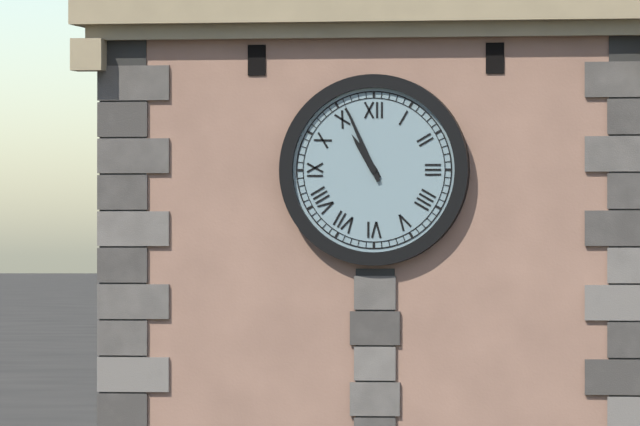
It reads 10:56
